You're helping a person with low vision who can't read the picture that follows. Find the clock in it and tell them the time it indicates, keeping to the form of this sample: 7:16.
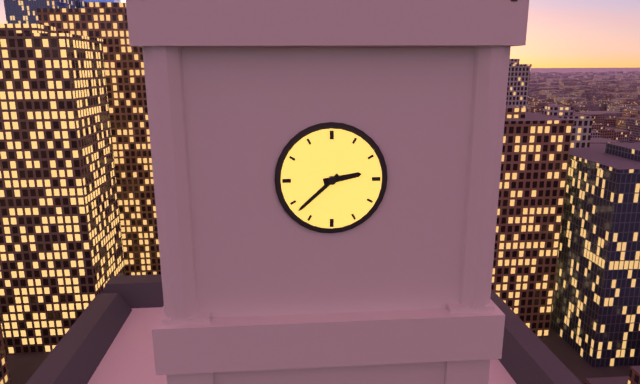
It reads 2:38
